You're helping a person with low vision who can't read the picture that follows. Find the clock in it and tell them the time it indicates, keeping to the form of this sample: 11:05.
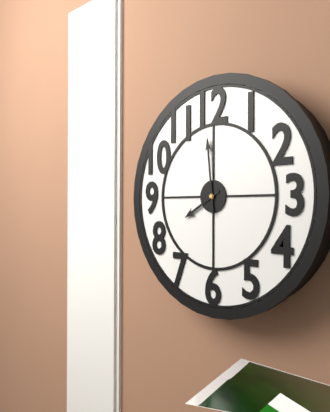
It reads 7:59
